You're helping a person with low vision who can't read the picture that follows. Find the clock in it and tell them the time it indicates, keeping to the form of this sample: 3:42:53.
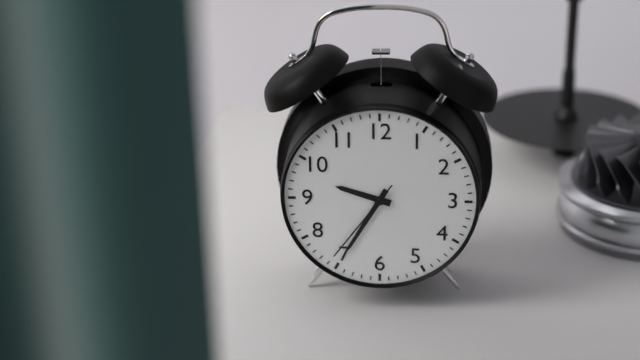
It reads 9:35:36
